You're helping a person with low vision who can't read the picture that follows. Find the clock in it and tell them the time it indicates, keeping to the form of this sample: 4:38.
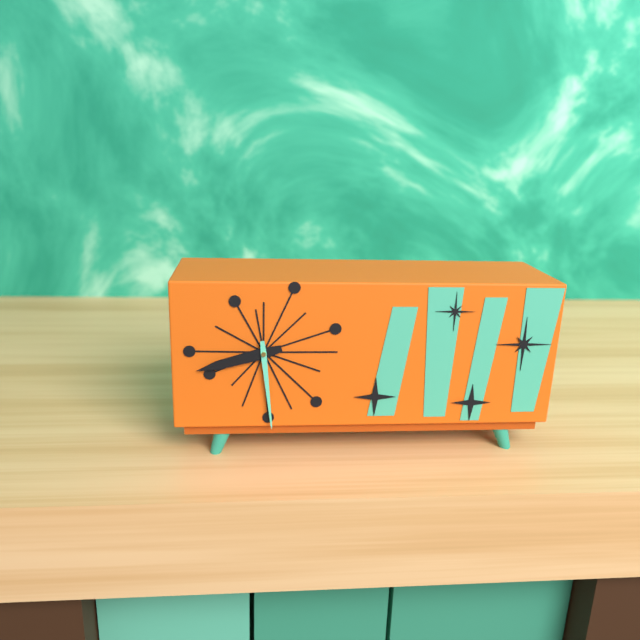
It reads 8:29
